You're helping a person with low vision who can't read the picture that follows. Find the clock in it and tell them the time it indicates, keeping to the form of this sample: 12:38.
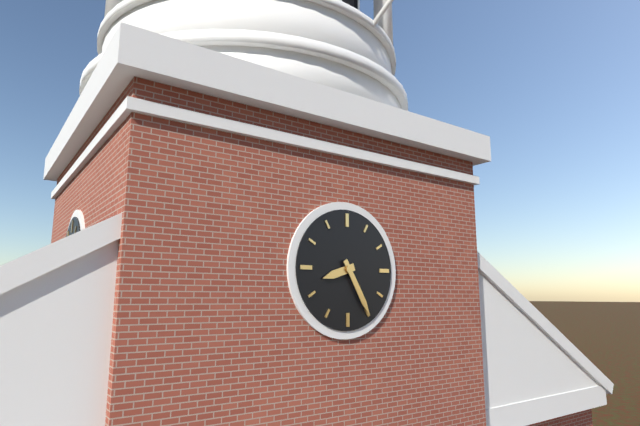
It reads 8:25
